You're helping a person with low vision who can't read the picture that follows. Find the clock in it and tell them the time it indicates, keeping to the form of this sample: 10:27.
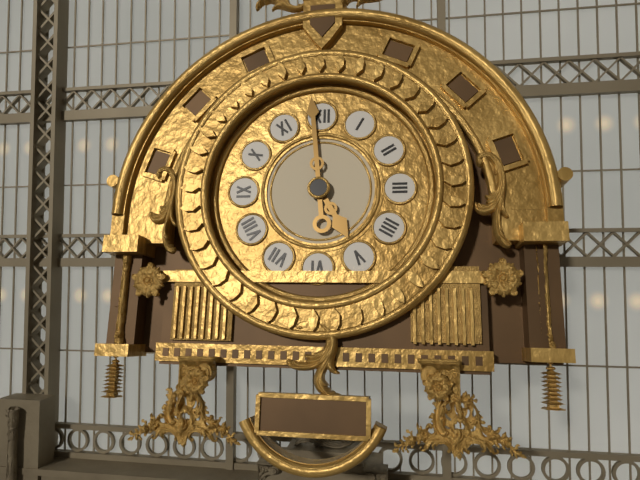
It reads 4:59
